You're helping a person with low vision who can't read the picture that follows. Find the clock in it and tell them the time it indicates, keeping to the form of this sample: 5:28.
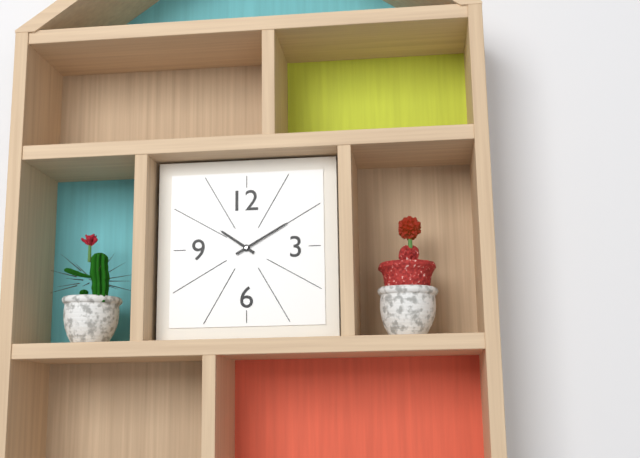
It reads 10:10
